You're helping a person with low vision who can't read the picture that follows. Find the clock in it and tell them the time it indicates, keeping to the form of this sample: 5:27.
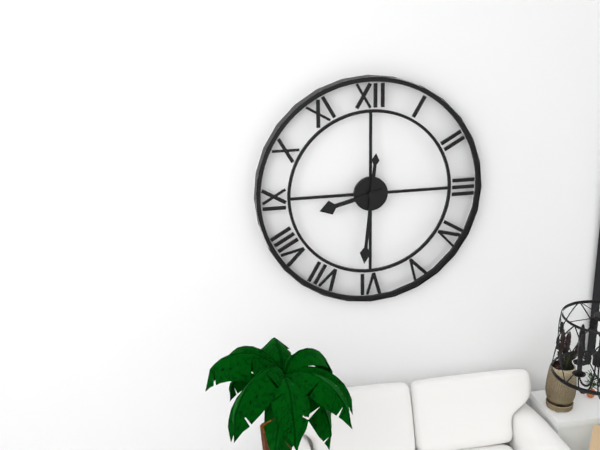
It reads 8:31
